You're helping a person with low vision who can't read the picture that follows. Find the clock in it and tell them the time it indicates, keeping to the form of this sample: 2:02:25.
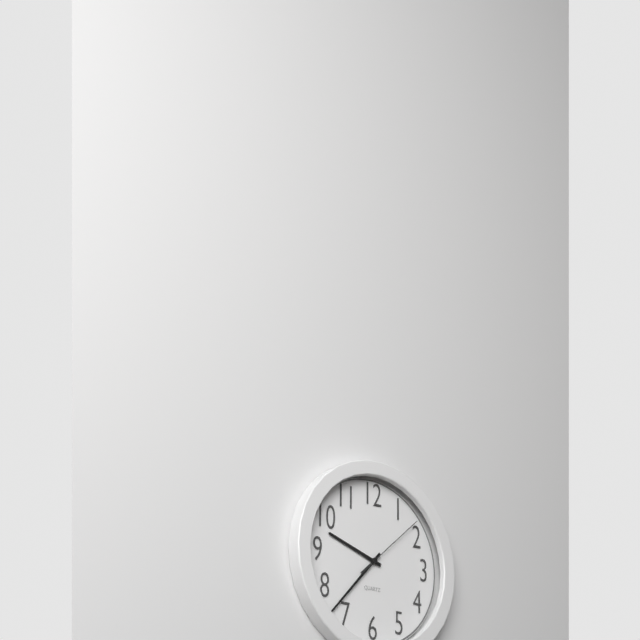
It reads 9:37:08
